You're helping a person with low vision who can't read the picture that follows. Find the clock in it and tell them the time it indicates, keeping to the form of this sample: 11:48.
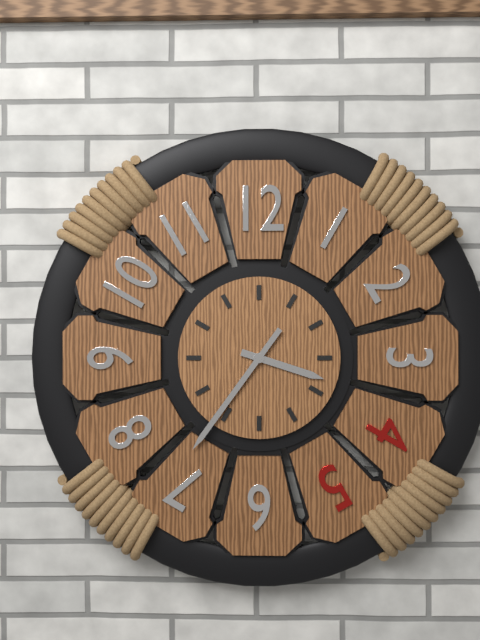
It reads 3:36
